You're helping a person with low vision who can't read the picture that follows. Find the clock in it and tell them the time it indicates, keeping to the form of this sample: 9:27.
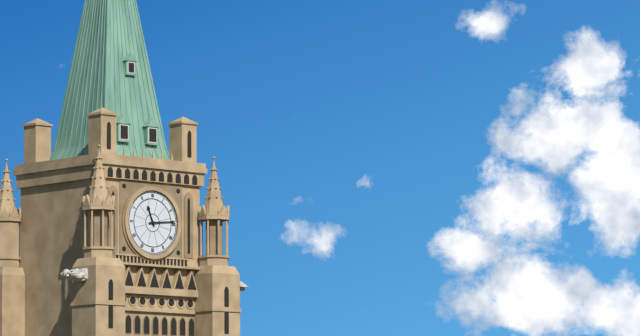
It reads 11:14
